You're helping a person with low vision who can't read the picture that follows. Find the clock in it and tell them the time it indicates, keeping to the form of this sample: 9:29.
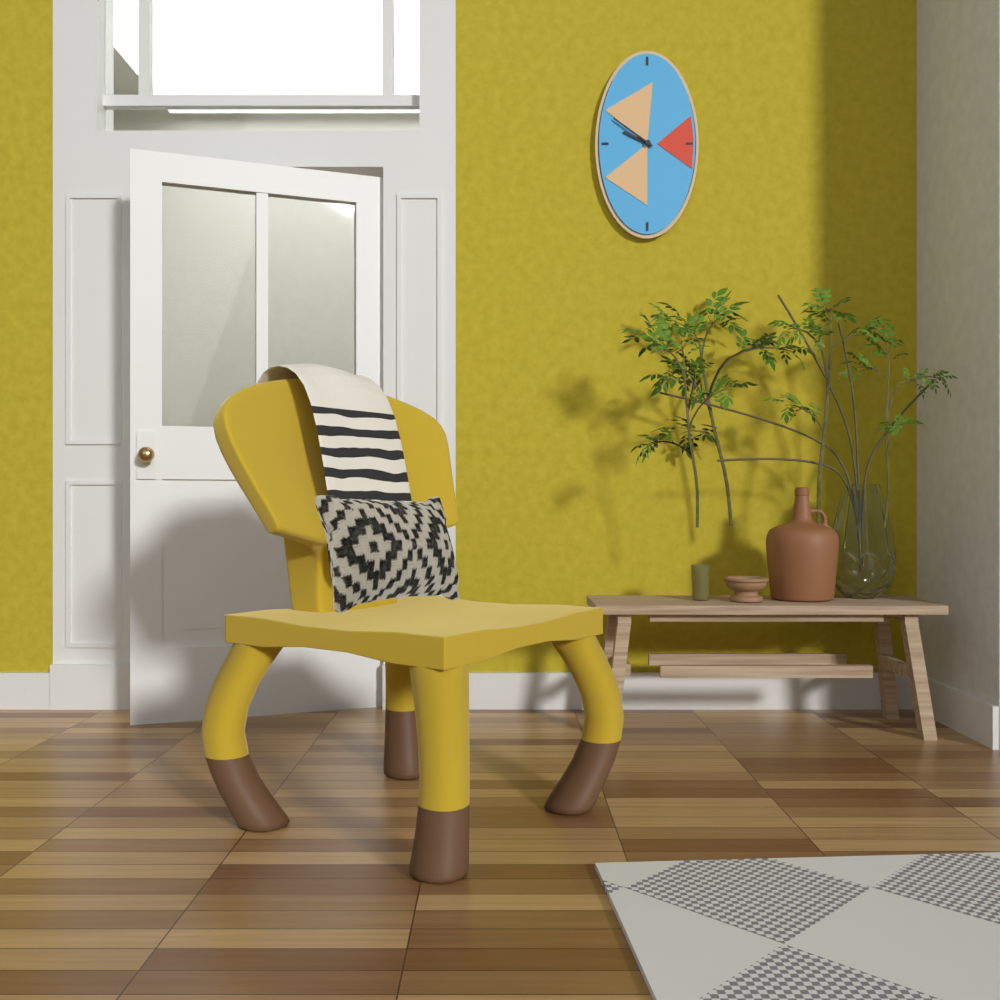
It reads 9:51
